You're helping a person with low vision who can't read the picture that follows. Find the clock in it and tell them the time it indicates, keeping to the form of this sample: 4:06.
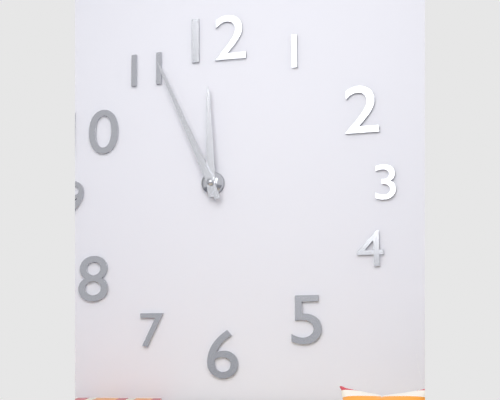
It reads 11:56
